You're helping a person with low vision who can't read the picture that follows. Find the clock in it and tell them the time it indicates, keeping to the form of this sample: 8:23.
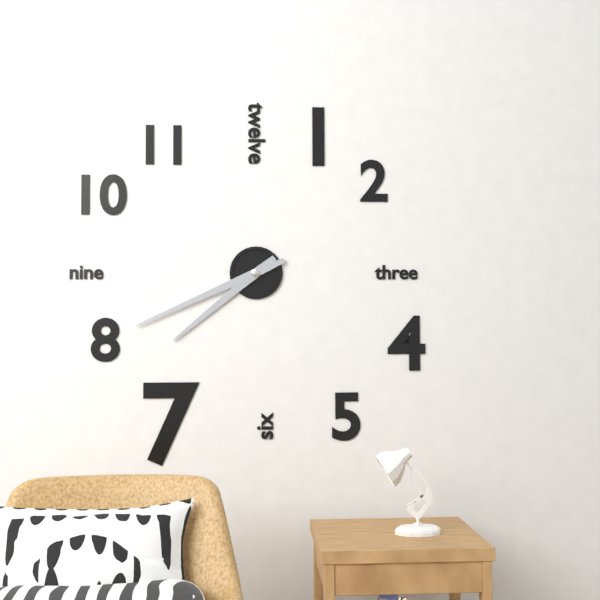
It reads 7:41
